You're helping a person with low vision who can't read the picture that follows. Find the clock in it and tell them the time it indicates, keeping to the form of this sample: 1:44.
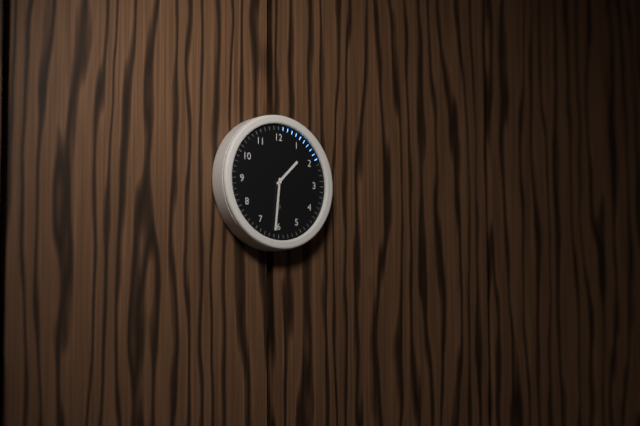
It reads 1:31
